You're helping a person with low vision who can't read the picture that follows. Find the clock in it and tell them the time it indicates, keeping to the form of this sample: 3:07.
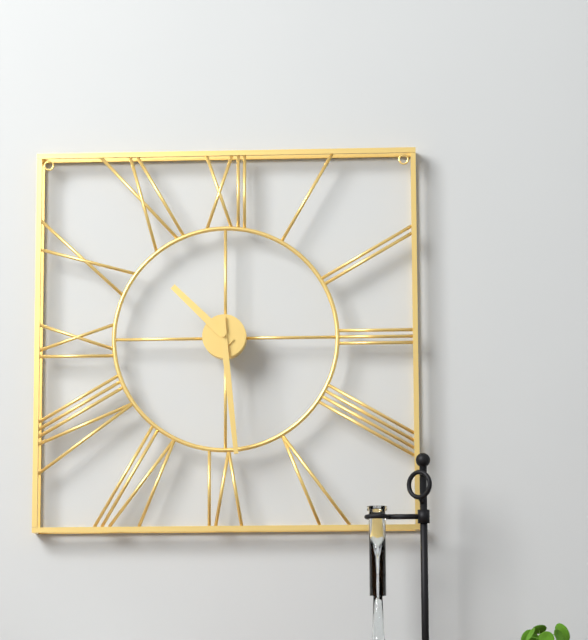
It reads 10:29
